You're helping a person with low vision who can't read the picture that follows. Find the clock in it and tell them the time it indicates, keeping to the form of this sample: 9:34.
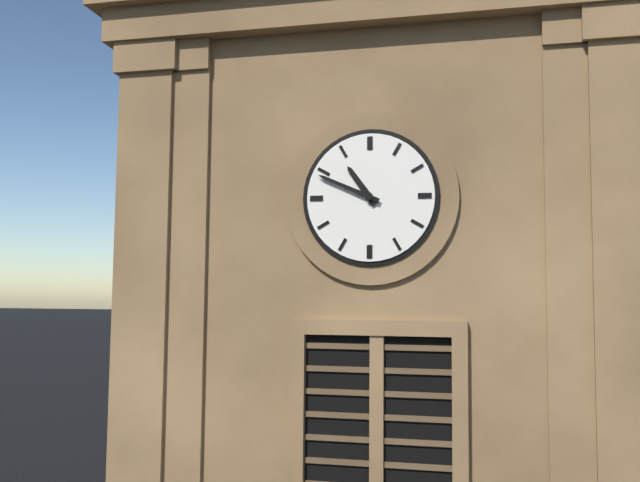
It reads 10:49
